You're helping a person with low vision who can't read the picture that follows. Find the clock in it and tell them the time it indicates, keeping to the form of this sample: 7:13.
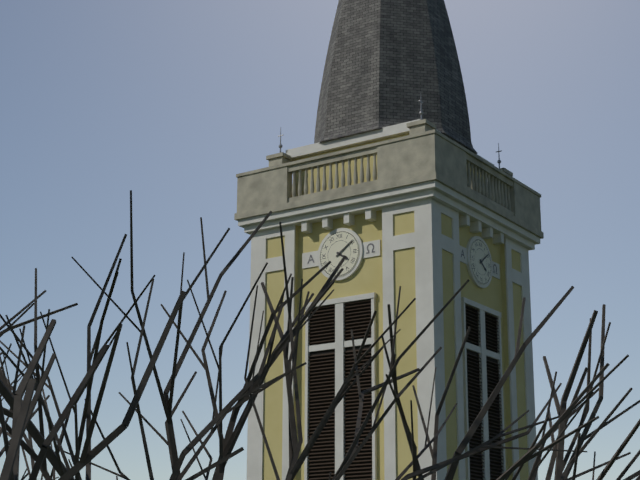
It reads 4:09
